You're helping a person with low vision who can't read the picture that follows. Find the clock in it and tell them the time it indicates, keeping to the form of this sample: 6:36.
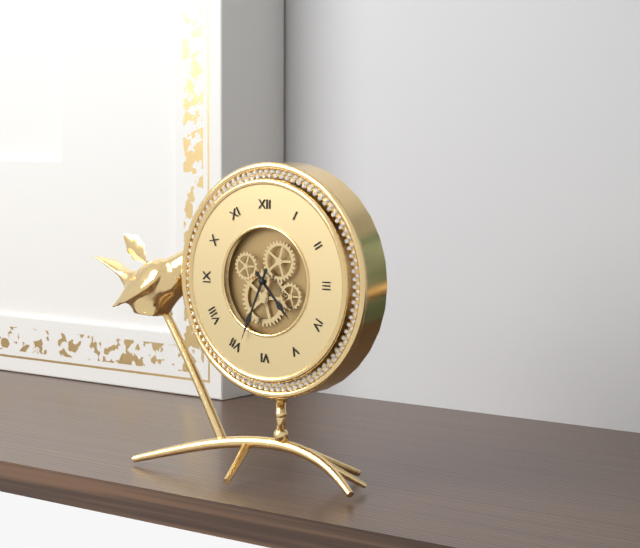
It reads 4:34
